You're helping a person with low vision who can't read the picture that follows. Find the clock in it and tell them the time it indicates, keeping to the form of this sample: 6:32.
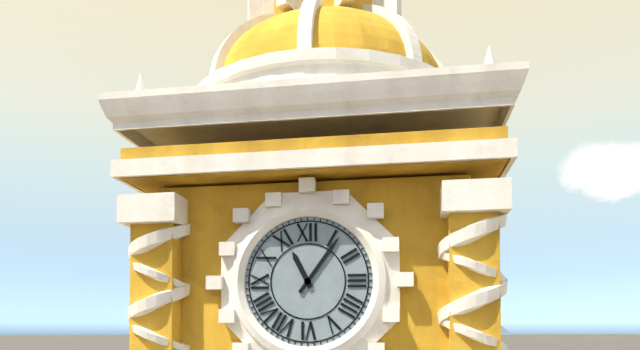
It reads 11:06
